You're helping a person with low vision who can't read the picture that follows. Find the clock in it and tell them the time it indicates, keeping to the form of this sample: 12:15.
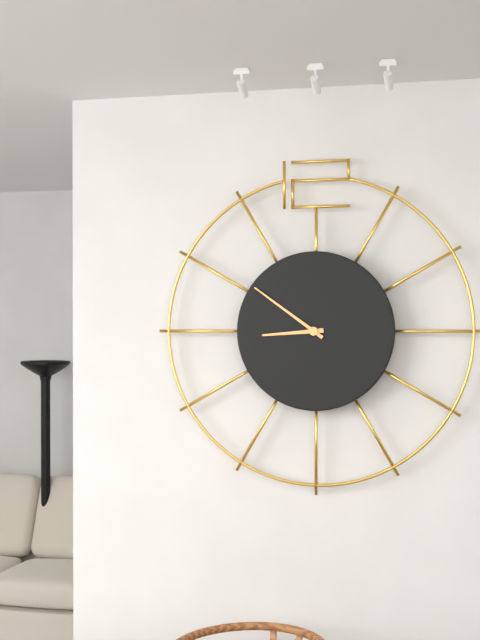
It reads 8:51
